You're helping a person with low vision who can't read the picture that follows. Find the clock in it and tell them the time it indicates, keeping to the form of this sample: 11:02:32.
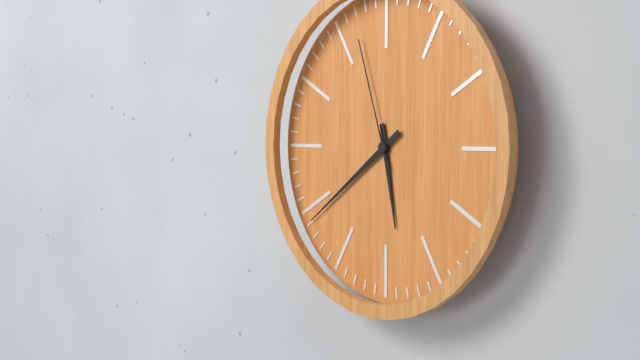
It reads 5:39:57
